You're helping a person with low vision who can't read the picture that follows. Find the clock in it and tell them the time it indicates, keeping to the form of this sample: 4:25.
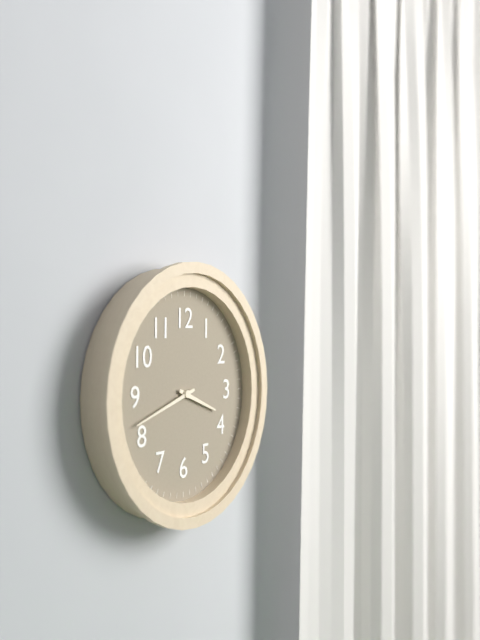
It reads 3:42
